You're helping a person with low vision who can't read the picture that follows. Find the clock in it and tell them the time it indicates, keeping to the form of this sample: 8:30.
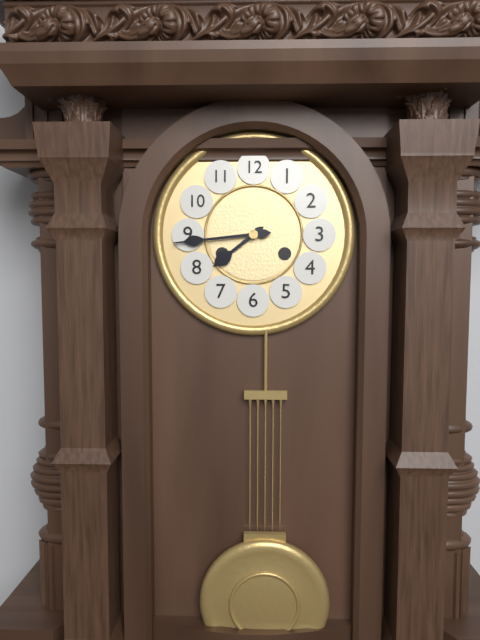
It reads 7:44
